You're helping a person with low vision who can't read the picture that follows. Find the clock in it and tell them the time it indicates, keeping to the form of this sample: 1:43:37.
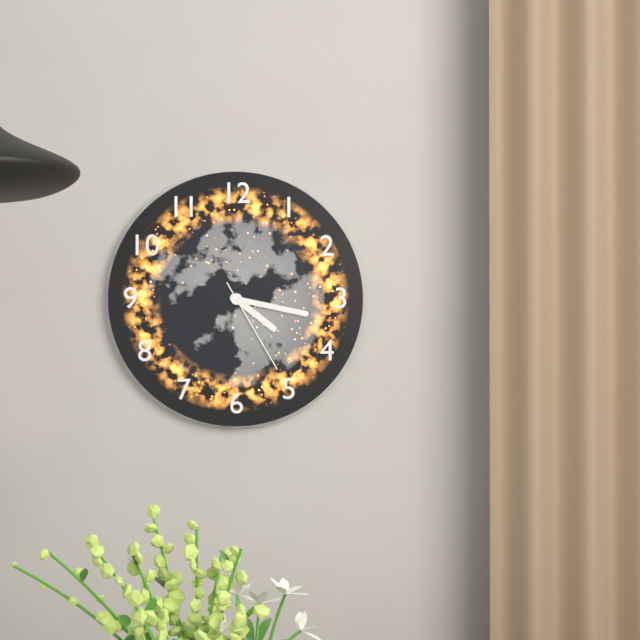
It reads 4:17:25
